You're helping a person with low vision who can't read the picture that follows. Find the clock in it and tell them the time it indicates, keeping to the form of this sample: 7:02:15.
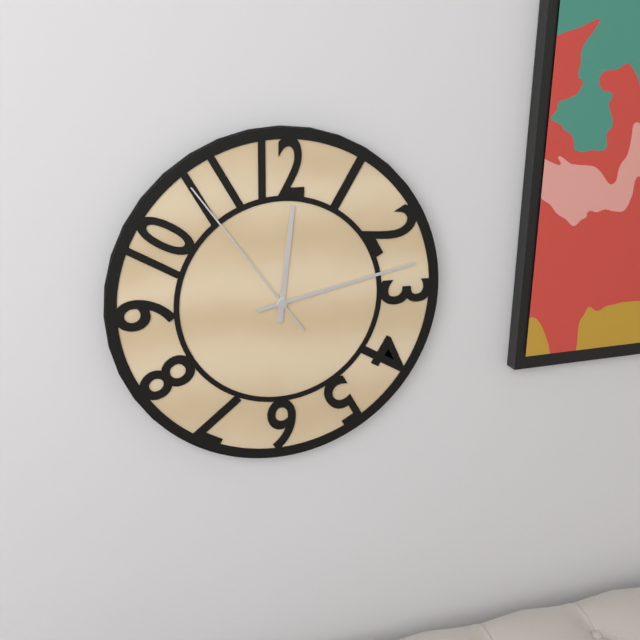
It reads 12:13:54
